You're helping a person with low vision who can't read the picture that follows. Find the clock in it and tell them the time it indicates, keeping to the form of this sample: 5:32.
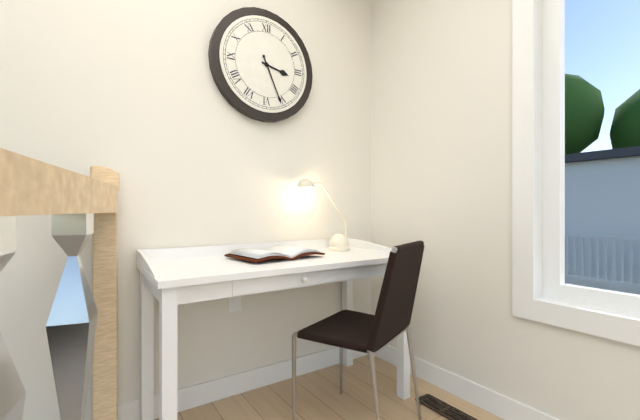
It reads 3:26
